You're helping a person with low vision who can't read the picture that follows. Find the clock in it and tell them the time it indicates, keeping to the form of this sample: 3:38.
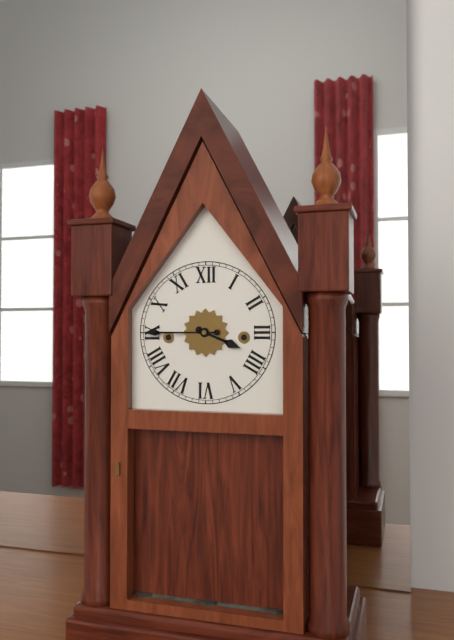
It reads 3:45
